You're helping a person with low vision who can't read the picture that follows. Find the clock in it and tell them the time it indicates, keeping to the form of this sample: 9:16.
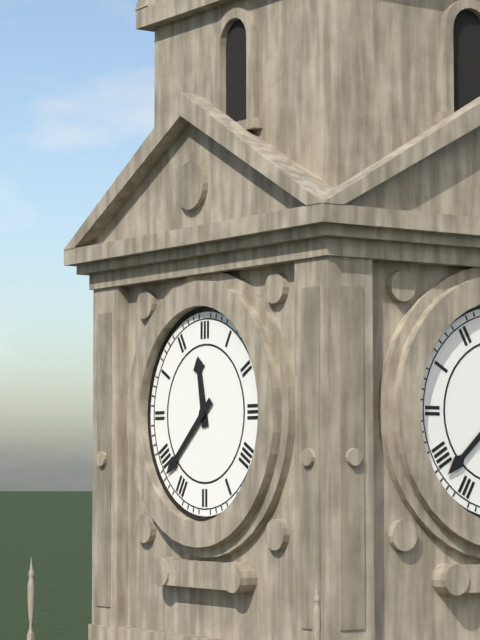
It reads 11:38
